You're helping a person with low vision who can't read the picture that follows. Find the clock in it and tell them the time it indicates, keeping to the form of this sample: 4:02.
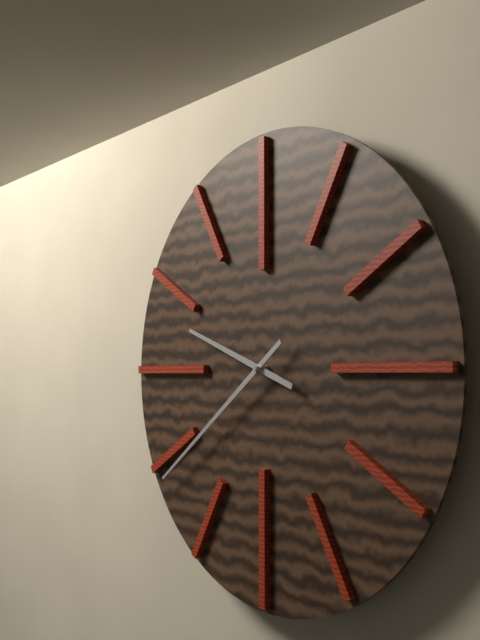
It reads 9:39
